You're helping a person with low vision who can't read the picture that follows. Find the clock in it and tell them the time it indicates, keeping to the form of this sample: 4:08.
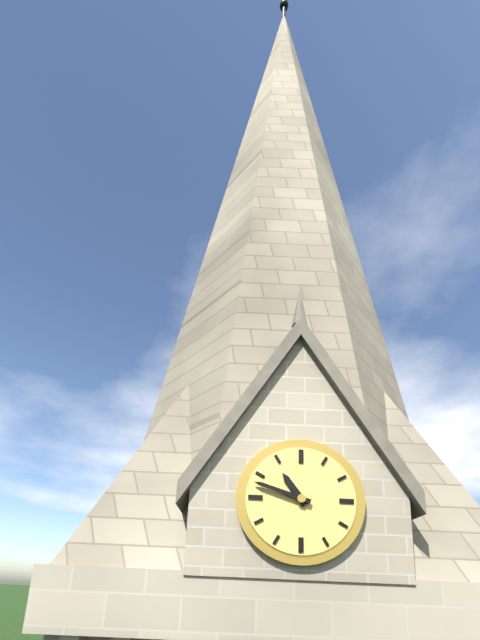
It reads 10:48
